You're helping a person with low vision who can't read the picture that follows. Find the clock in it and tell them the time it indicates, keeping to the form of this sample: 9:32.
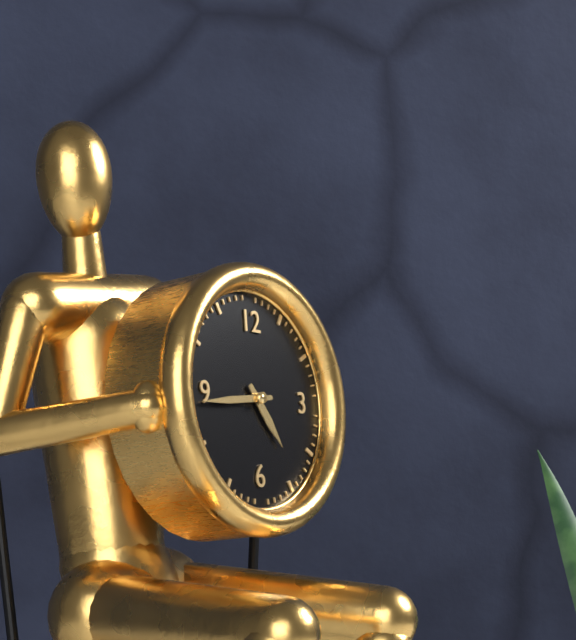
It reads 4:44
